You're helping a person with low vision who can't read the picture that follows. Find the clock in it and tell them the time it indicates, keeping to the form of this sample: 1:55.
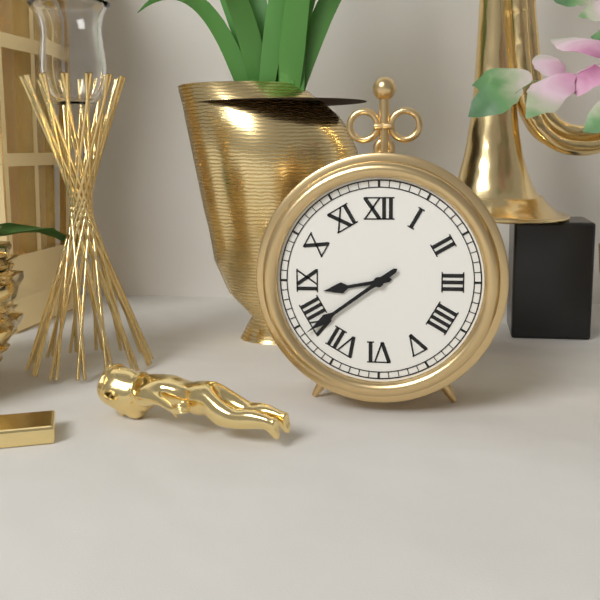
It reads 8:39
